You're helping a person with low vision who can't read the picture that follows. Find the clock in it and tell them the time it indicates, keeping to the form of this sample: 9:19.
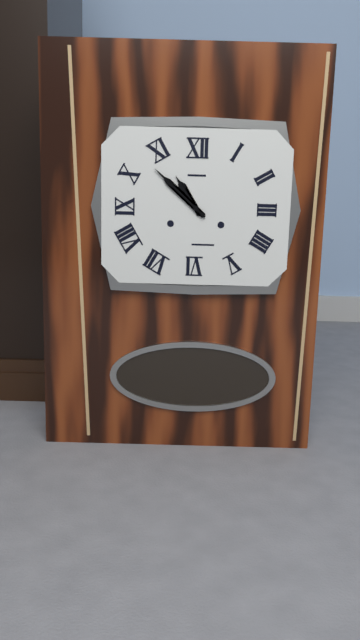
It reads 10:52
